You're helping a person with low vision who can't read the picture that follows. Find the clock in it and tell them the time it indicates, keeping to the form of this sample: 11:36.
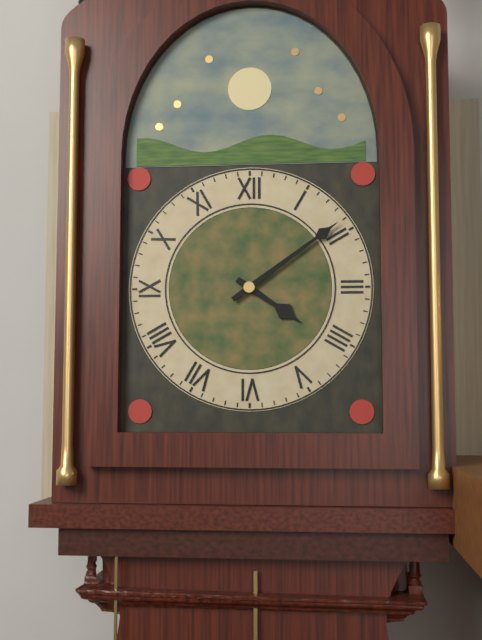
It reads 4:09
